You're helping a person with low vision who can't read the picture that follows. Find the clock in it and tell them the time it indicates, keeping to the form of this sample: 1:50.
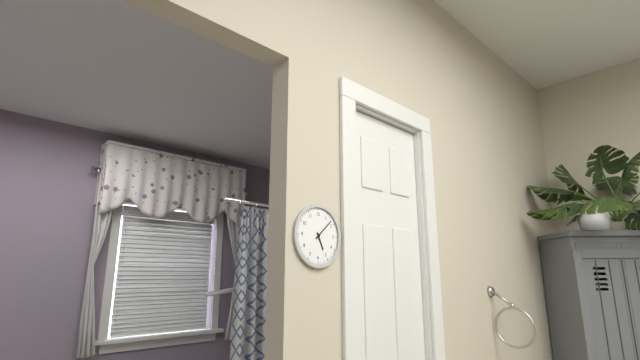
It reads 5:08
